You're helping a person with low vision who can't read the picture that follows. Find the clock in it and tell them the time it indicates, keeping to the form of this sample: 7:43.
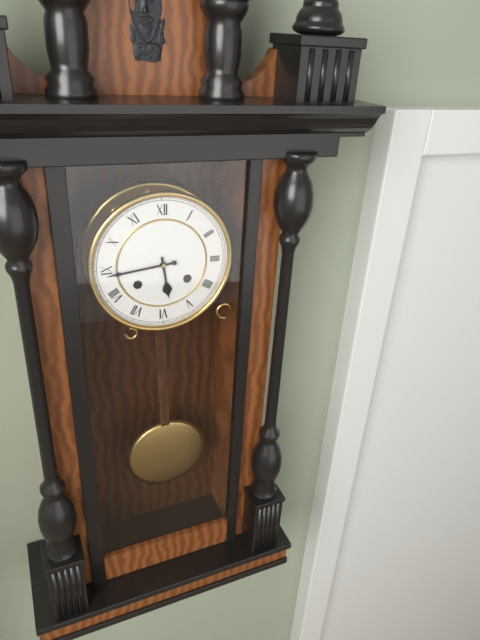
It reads 5:44
